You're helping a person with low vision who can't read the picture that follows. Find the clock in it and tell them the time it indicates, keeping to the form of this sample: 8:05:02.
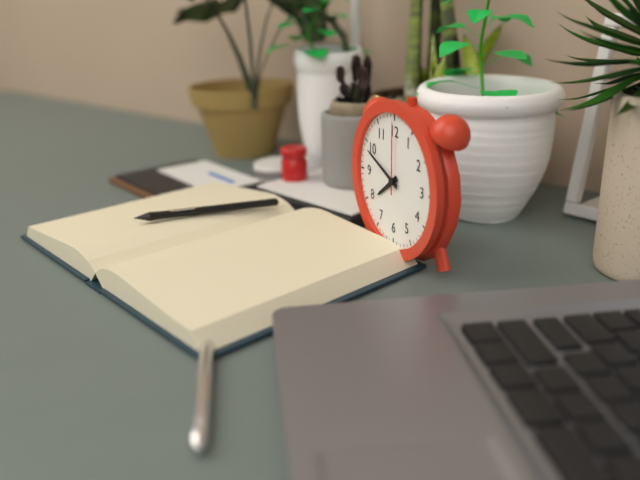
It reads 7:49:00
